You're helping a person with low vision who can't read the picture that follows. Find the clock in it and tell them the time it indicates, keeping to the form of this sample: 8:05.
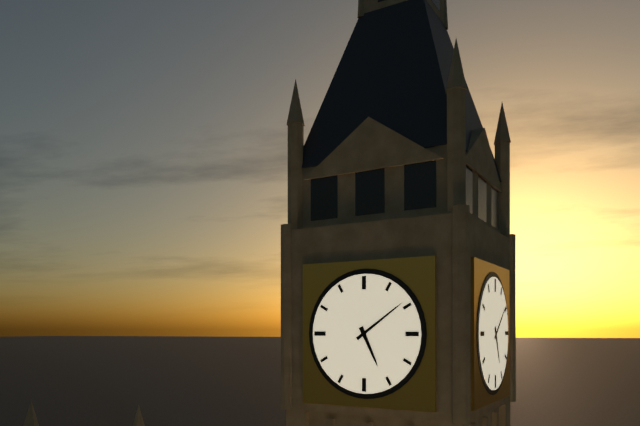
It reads 5:09
